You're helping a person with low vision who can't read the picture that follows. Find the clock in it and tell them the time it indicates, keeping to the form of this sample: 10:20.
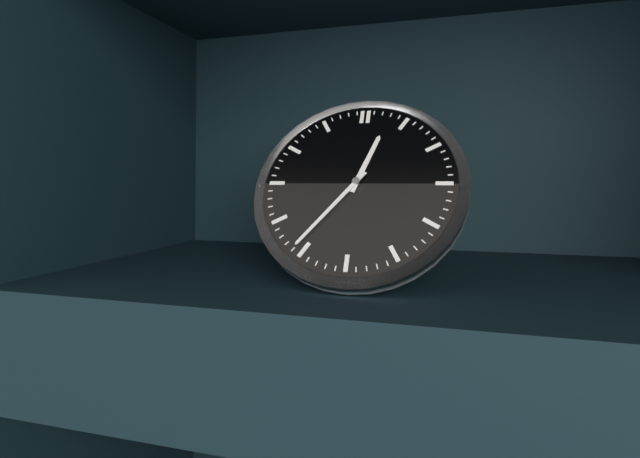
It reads 12:36
